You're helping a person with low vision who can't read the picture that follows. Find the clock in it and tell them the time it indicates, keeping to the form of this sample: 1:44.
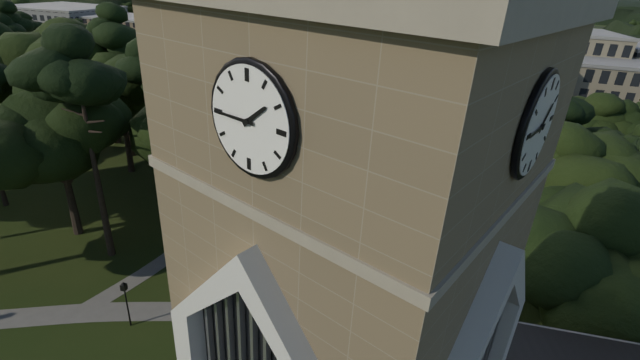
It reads 1:45
